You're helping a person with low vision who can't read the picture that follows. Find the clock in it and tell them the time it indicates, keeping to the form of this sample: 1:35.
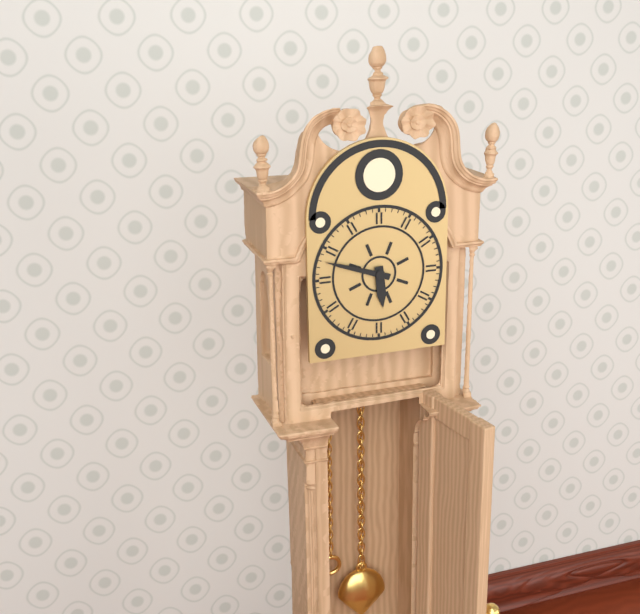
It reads 5:48
